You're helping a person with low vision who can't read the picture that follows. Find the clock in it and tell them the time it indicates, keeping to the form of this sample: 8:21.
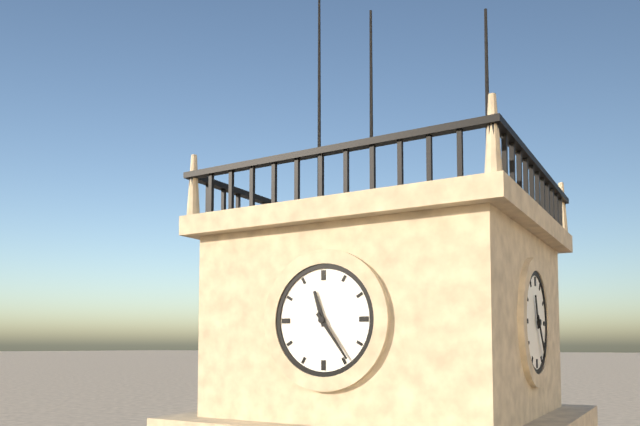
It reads 11:24
